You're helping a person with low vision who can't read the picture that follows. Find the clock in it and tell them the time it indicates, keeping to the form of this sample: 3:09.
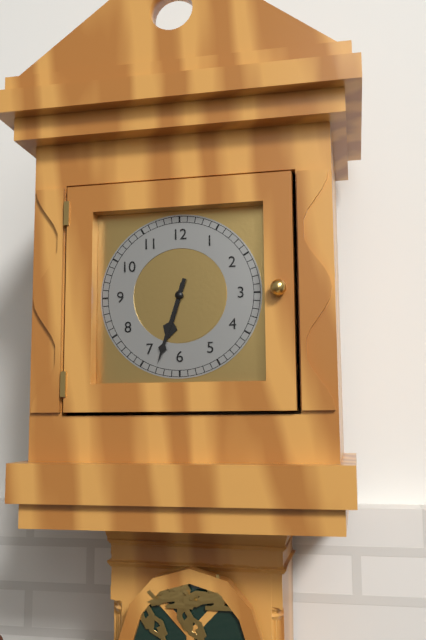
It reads 6:33
